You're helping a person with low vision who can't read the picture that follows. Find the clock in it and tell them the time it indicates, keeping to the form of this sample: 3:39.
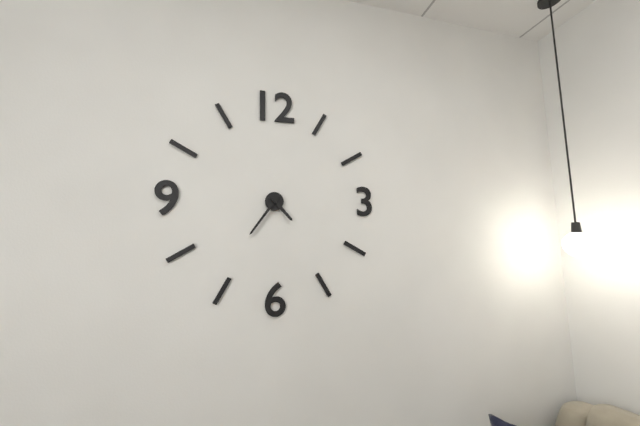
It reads 4:36
